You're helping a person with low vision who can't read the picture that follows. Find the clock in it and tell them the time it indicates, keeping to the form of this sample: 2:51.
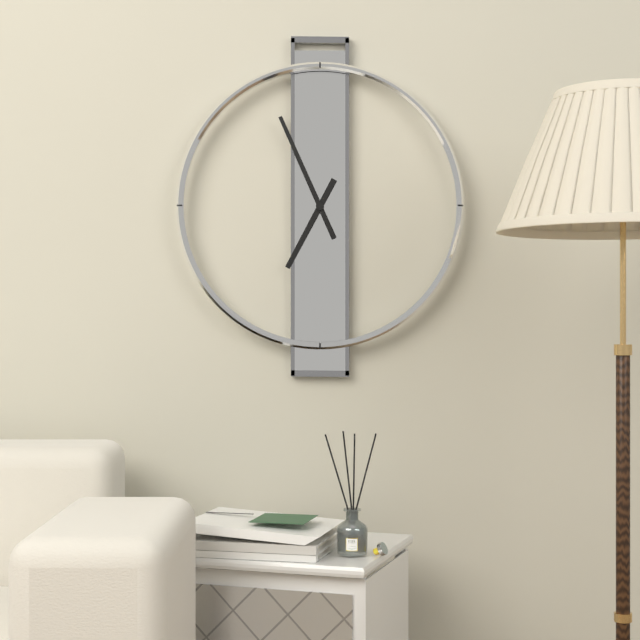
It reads 6:56
